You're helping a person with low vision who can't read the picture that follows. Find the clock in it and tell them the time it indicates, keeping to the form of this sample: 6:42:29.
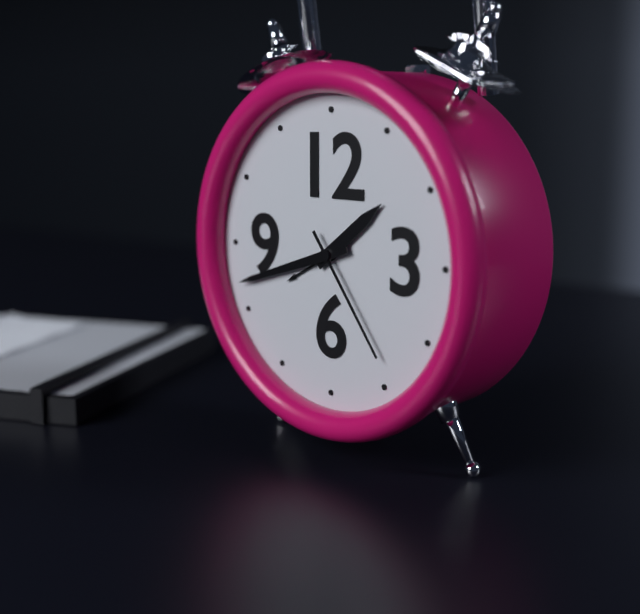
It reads 1:42:24
